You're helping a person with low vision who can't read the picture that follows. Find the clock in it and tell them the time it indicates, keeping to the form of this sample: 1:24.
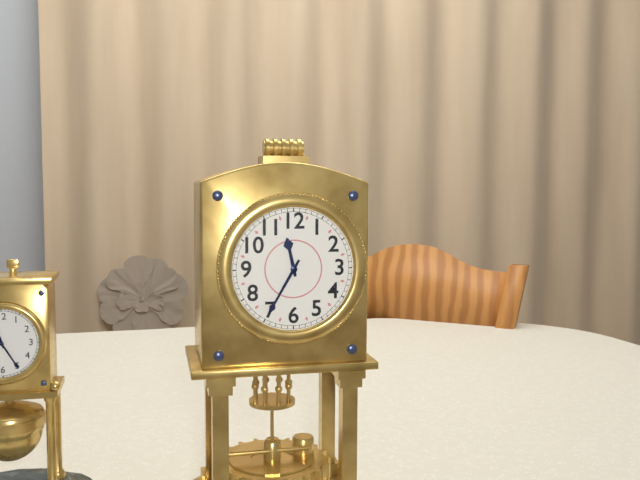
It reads 11:35
